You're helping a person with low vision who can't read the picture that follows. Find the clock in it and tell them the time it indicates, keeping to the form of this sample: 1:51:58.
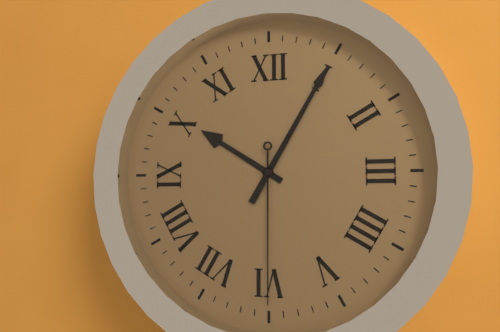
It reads 10:05:30
